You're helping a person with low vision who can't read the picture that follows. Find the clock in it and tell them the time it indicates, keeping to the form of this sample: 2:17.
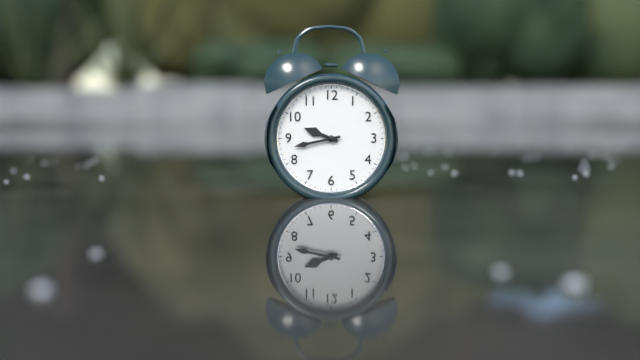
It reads 9:43
